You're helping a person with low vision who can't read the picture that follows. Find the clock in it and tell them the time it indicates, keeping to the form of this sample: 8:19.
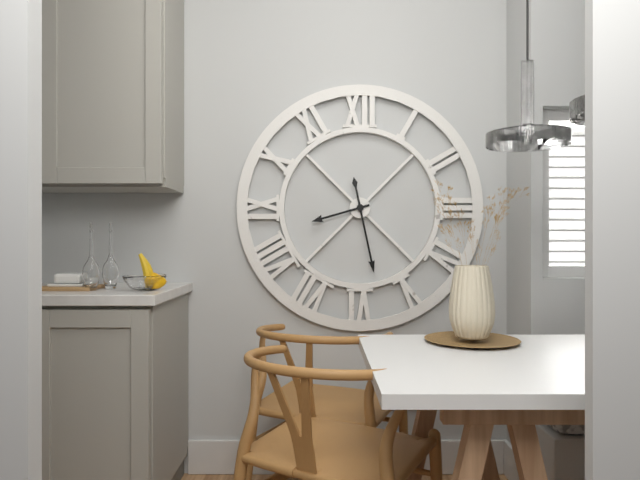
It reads 8:28
